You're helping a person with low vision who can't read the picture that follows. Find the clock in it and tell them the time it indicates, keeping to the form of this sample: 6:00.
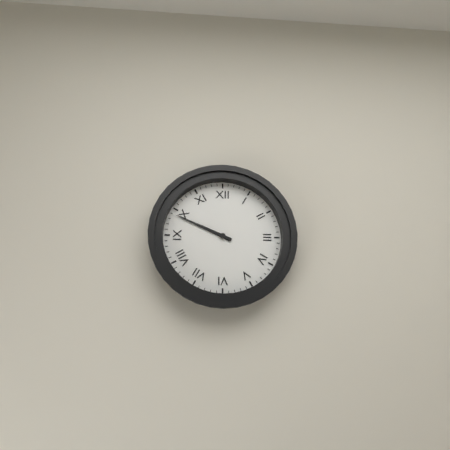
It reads 9:49
